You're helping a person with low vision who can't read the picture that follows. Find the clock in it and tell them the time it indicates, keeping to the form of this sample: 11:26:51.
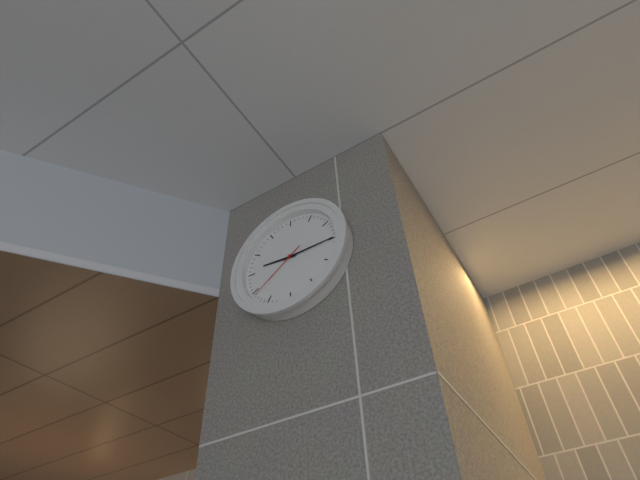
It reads 9:15:39
